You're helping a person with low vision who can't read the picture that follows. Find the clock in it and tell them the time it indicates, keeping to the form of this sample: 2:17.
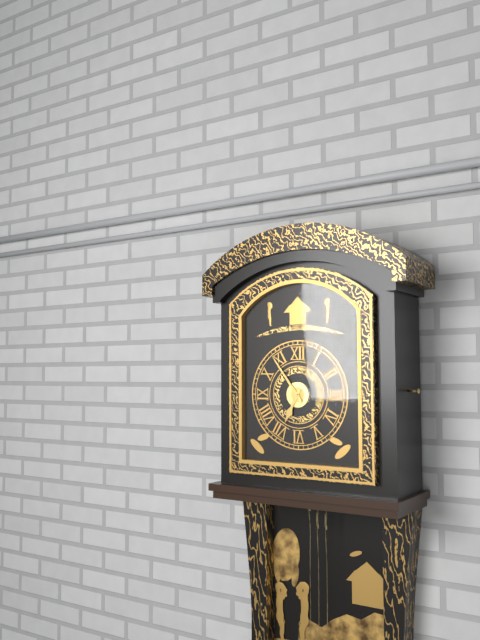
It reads 6:54
